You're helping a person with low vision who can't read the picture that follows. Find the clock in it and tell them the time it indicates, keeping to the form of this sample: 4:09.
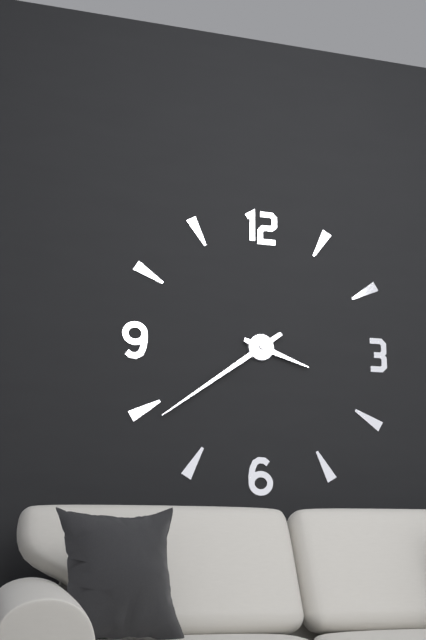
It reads 3:39
